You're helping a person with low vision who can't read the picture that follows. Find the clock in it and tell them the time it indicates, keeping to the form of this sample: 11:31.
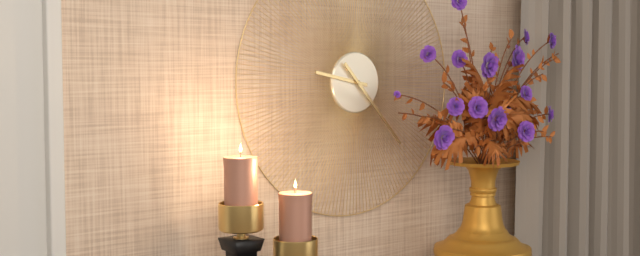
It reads 9:23
